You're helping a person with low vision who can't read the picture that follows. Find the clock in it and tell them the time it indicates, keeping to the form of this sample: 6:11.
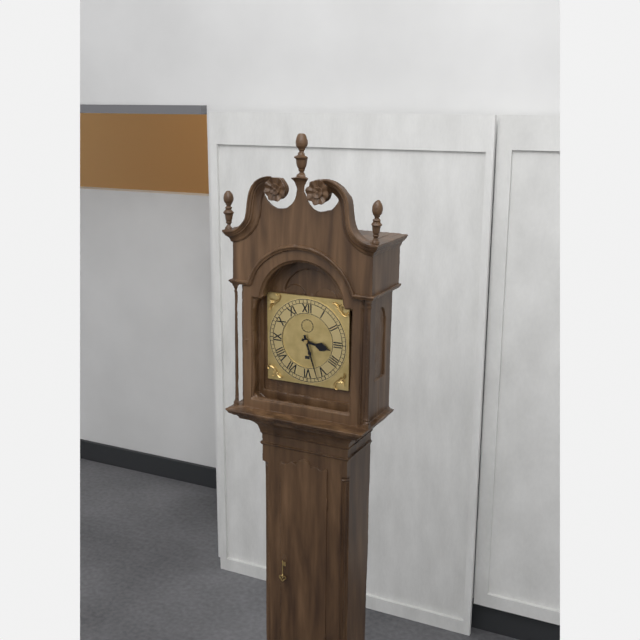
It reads 3:27
